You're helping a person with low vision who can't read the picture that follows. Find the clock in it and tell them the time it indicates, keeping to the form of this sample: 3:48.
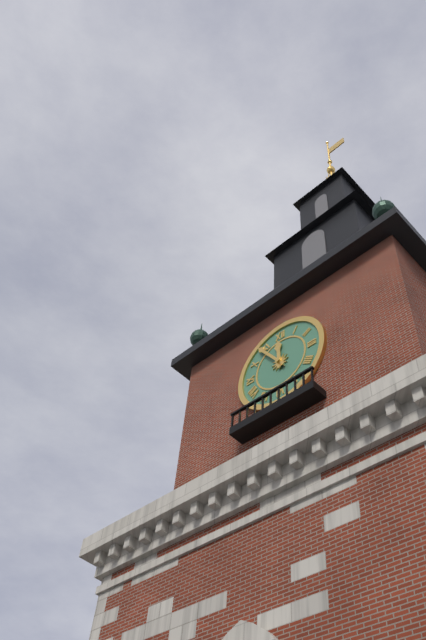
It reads 11:54
